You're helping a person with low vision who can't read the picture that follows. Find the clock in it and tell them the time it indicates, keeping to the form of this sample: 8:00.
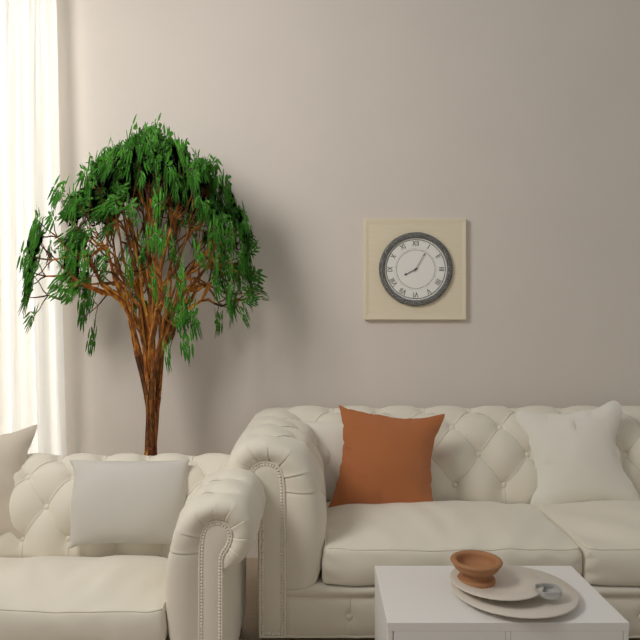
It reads 8:05
